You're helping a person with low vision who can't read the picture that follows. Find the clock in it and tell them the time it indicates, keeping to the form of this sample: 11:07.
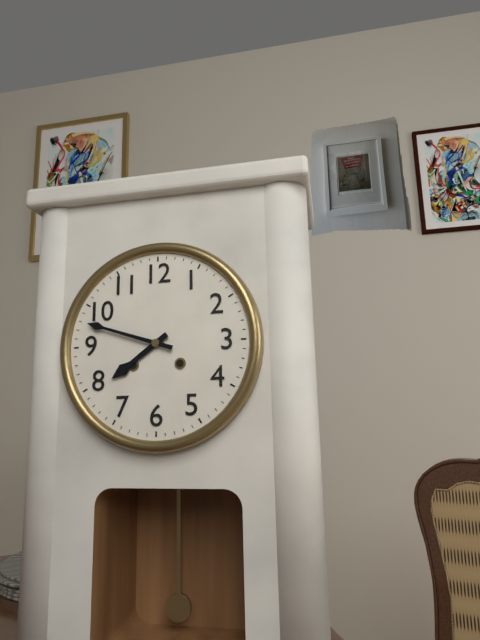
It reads 7:48
